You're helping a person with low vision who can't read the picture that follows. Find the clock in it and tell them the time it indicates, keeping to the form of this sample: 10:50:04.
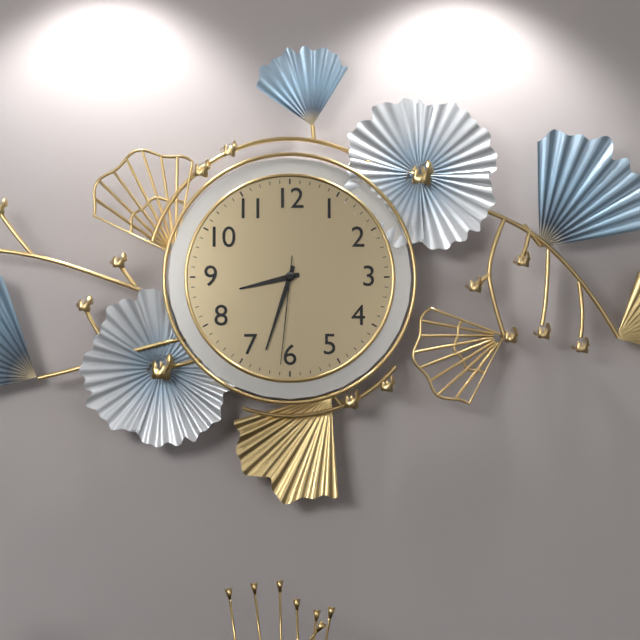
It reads 8:33:31
